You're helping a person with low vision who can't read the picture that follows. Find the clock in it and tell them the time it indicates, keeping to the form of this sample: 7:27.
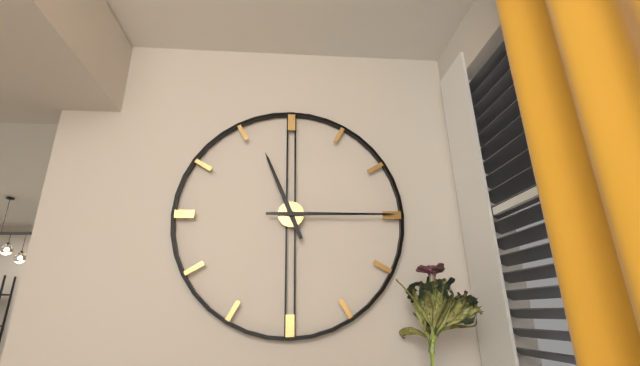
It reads 11:15
